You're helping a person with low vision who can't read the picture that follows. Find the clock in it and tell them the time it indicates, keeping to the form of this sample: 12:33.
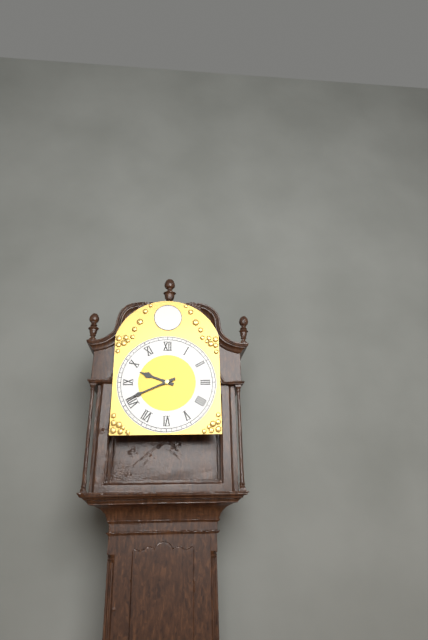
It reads 9:41
